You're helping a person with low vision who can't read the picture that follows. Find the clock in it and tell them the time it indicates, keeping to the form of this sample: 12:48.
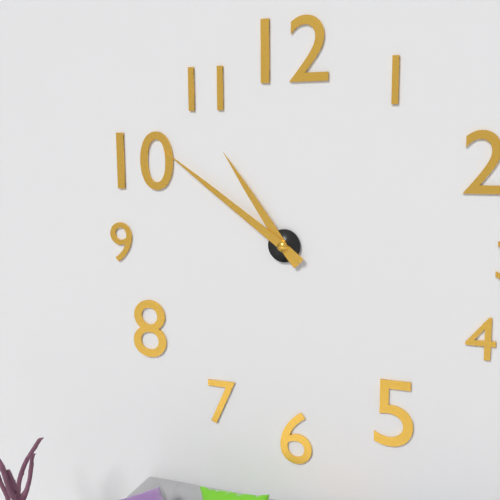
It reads 10:51
